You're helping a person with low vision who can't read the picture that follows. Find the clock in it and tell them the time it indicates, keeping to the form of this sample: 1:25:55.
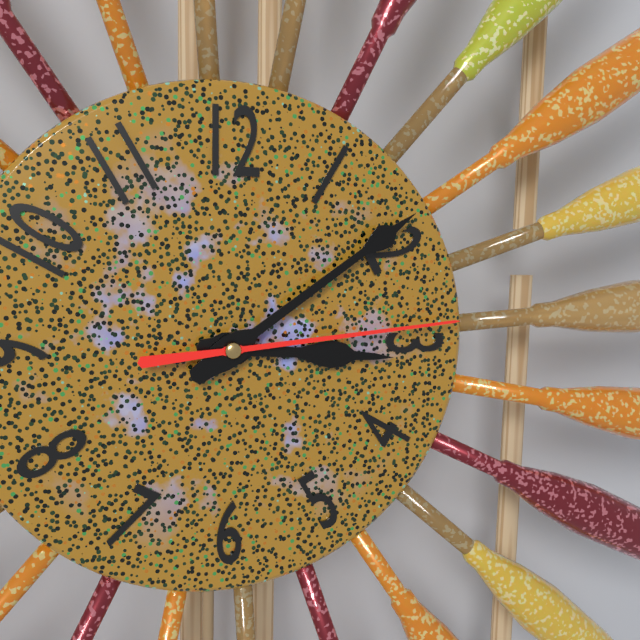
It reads 3:09:14
